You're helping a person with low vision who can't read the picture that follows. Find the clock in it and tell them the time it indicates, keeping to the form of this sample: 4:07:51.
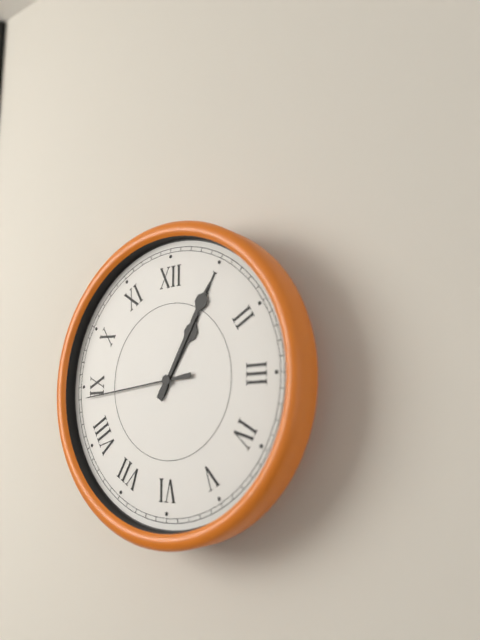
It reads 1:05:44
